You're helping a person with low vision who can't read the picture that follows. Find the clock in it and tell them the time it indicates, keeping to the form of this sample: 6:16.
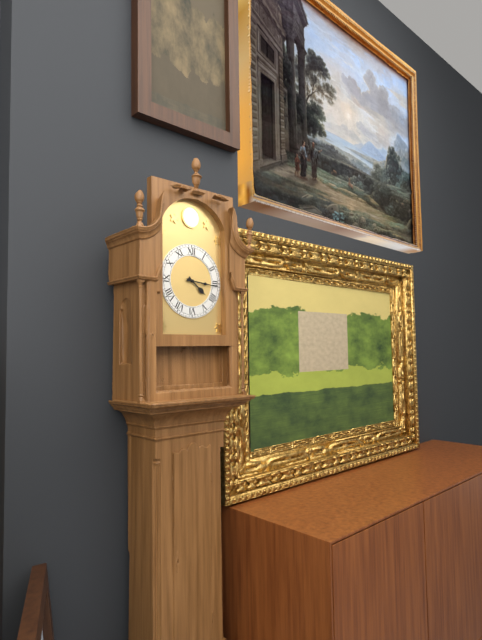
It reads 4:16
